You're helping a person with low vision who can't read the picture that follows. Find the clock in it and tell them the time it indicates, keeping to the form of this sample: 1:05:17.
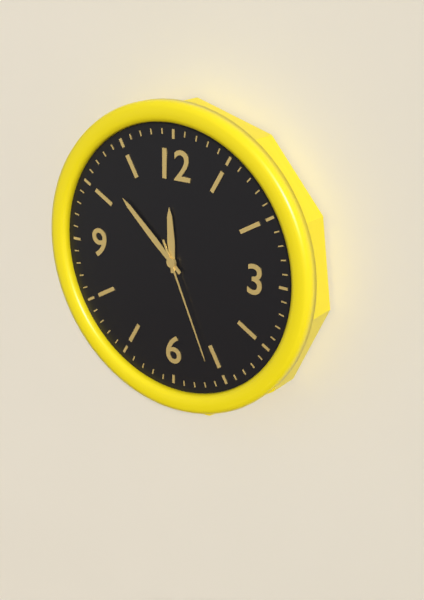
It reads 11:52:26
